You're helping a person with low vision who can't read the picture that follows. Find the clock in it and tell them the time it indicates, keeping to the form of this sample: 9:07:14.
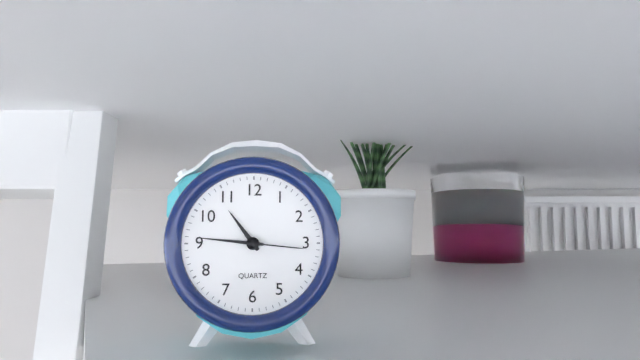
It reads 10:46:16
